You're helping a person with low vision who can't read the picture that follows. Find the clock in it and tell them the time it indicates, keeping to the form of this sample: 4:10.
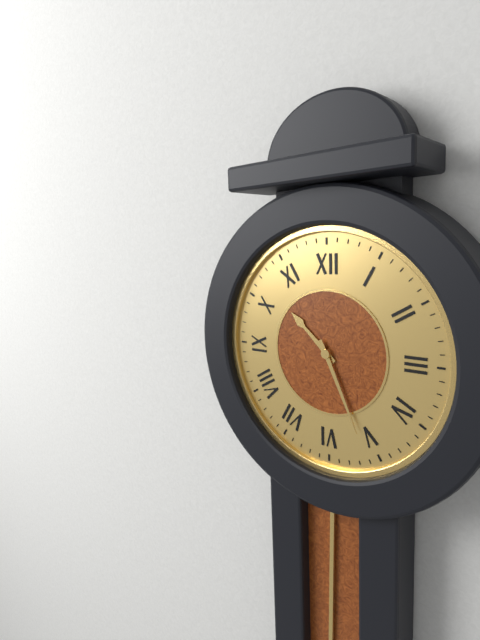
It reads 10:26
